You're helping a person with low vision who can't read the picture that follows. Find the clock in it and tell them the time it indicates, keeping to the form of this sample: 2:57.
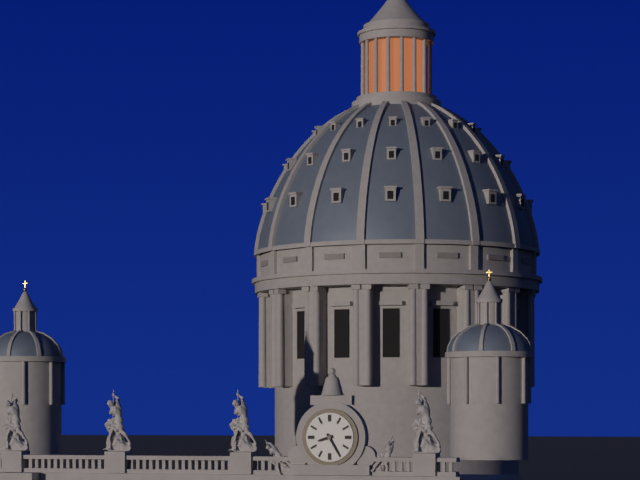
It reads 8:25
